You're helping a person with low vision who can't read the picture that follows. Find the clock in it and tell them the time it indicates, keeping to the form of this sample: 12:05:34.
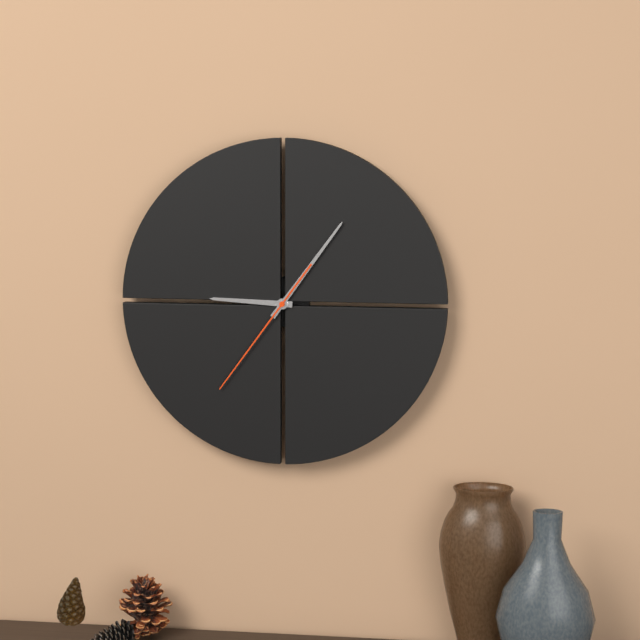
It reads 9:06:36
